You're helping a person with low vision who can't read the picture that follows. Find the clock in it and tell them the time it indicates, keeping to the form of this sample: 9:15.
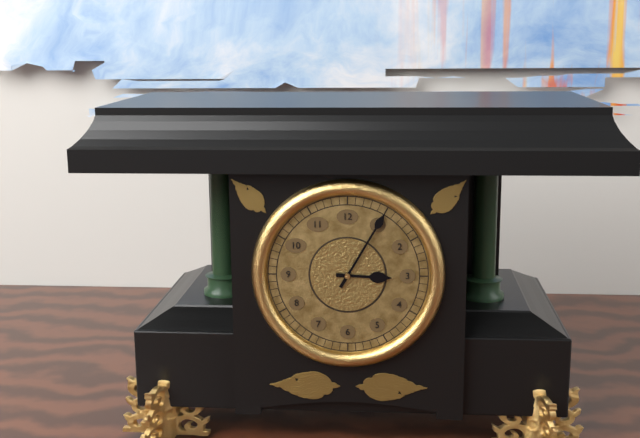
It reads 3:05
